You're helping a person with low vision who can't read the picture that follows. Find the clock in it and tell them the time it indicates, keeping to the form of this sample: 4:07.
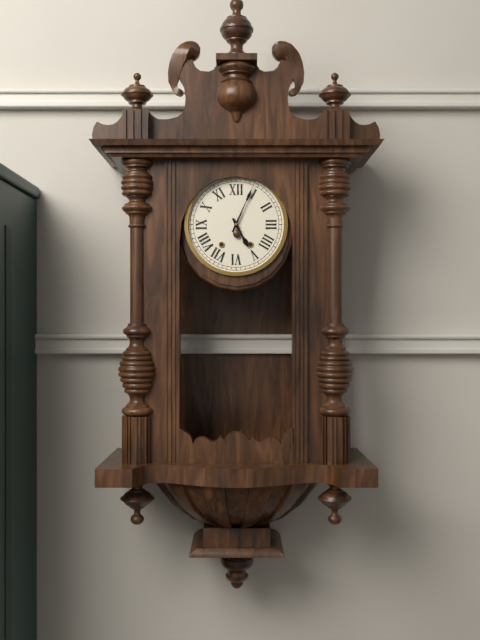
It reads 5:04
